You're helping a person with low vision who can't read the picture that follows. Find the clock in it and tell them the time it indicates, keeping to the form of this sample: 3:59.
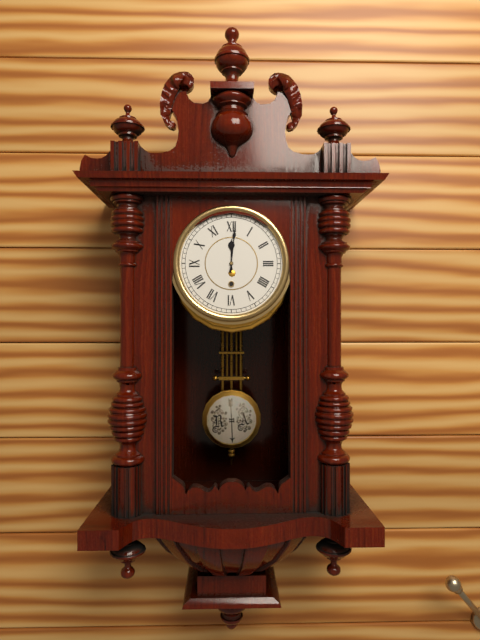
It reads 12:01
